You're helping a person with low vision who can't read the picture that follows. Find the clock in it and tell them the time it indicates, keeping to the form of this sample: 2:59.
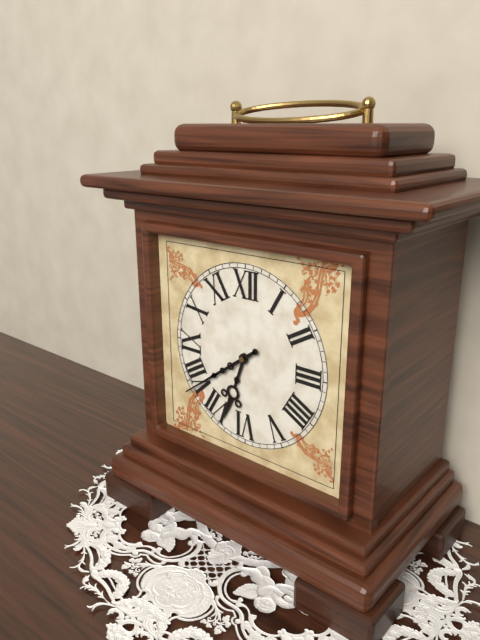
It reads 6:39
